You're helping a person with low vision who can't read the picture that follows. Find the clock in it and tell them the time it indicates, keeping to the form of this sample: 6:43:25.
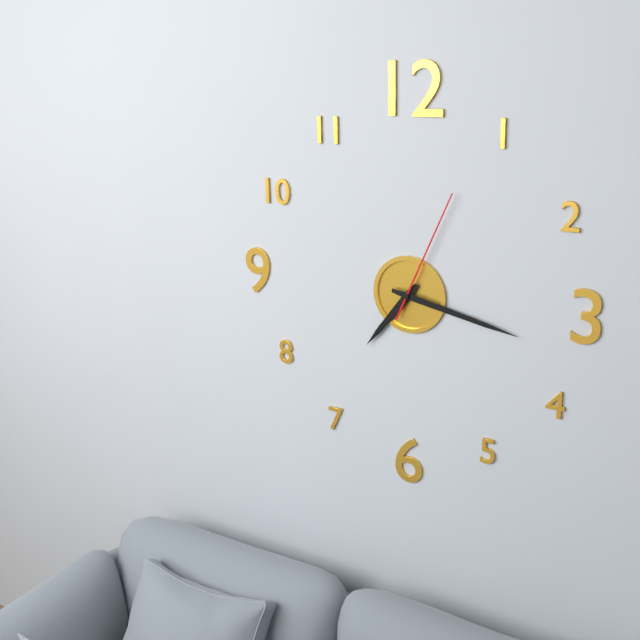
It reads 7:17:04
